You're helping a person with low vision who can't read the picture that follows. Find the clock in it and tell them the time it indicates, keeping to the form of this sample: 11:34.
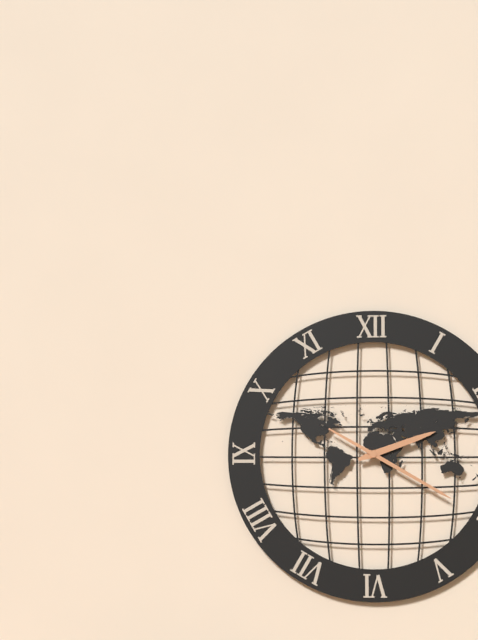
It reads 2:20
